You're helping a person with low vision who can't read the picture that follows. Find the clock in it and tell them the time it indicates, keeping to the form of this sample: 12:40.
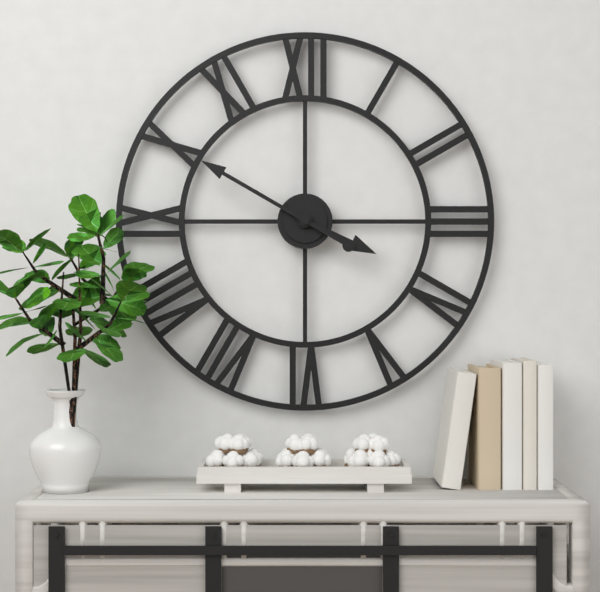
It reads 3:50
